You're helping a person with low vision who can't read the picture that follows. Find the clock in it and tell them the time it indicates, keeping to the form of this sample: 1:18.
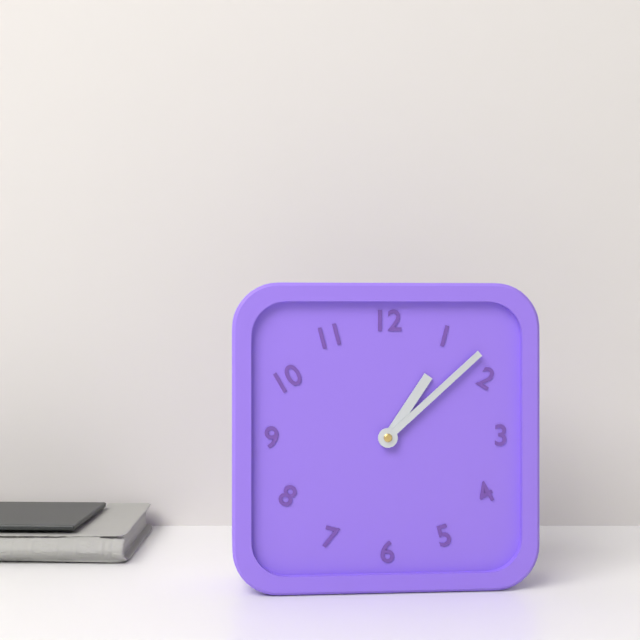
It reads 1:08
